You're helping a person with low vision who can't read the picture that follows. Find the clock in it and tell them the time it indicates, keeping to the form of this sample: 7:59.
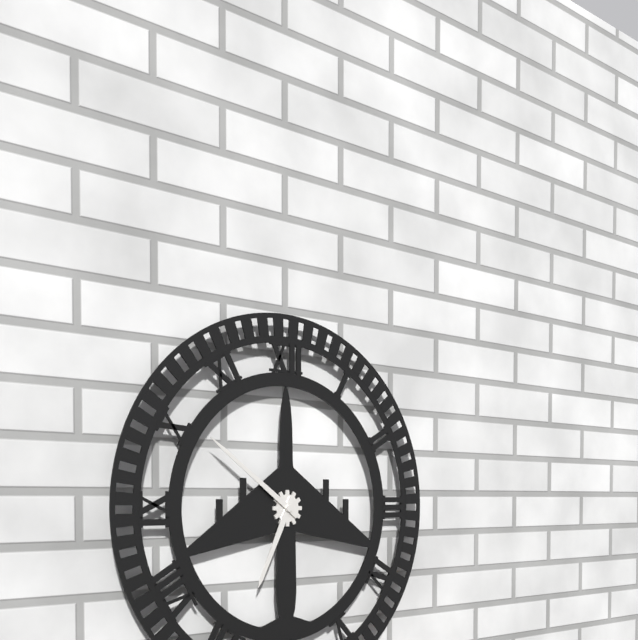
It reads 6:51
